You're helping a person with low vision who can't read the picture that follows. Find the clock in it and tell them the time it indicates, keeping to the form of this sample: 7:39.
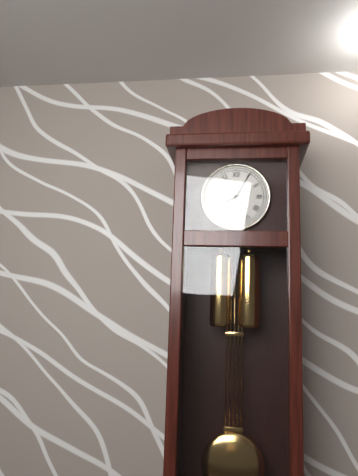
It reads 8:05
